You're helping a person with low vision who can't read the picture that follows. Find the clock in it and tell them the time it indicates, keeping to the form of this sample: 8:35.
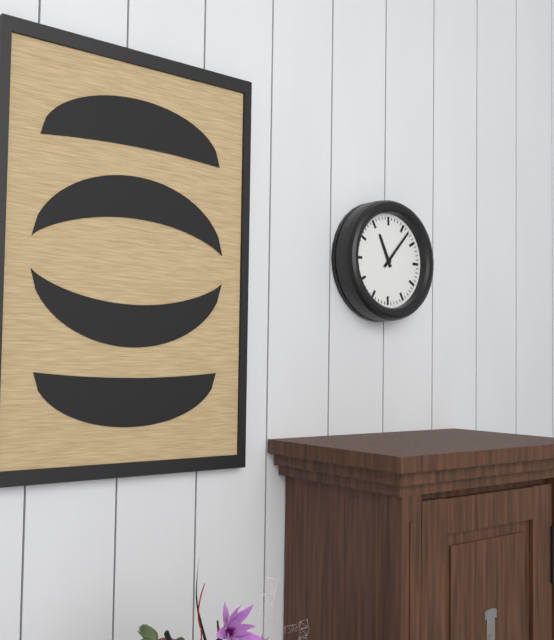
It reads 11:07
